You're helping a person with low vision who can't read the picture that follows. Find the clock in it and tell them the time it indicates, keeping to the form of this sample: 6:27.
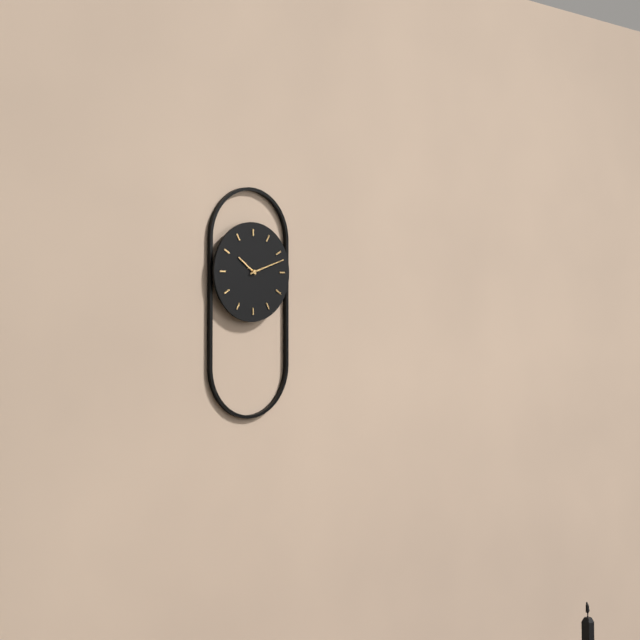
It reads 10:12
